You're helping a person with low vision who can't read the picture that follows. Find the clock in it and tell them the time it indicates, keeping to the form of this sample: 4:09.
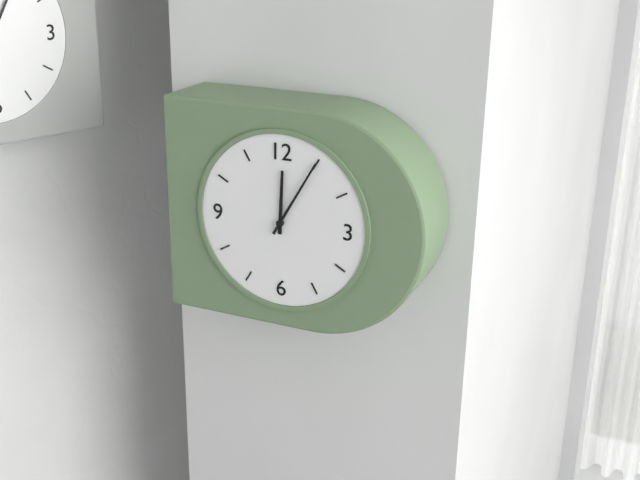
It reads 12:05
